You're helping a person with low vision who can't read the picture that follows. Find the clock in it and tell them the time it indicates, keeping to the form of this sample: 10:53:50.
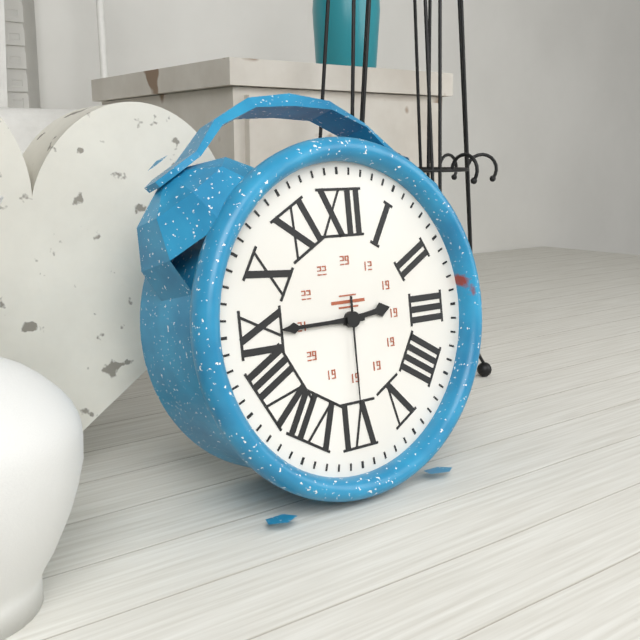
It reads 2:45:30
